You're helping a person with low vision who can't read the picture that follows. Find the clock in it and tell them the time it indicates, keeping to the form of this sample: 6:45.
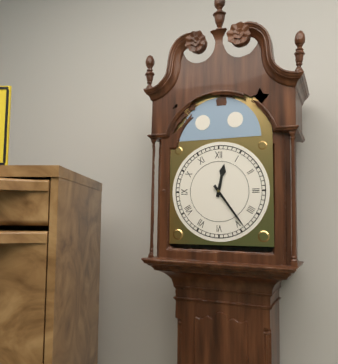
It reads 12:24
